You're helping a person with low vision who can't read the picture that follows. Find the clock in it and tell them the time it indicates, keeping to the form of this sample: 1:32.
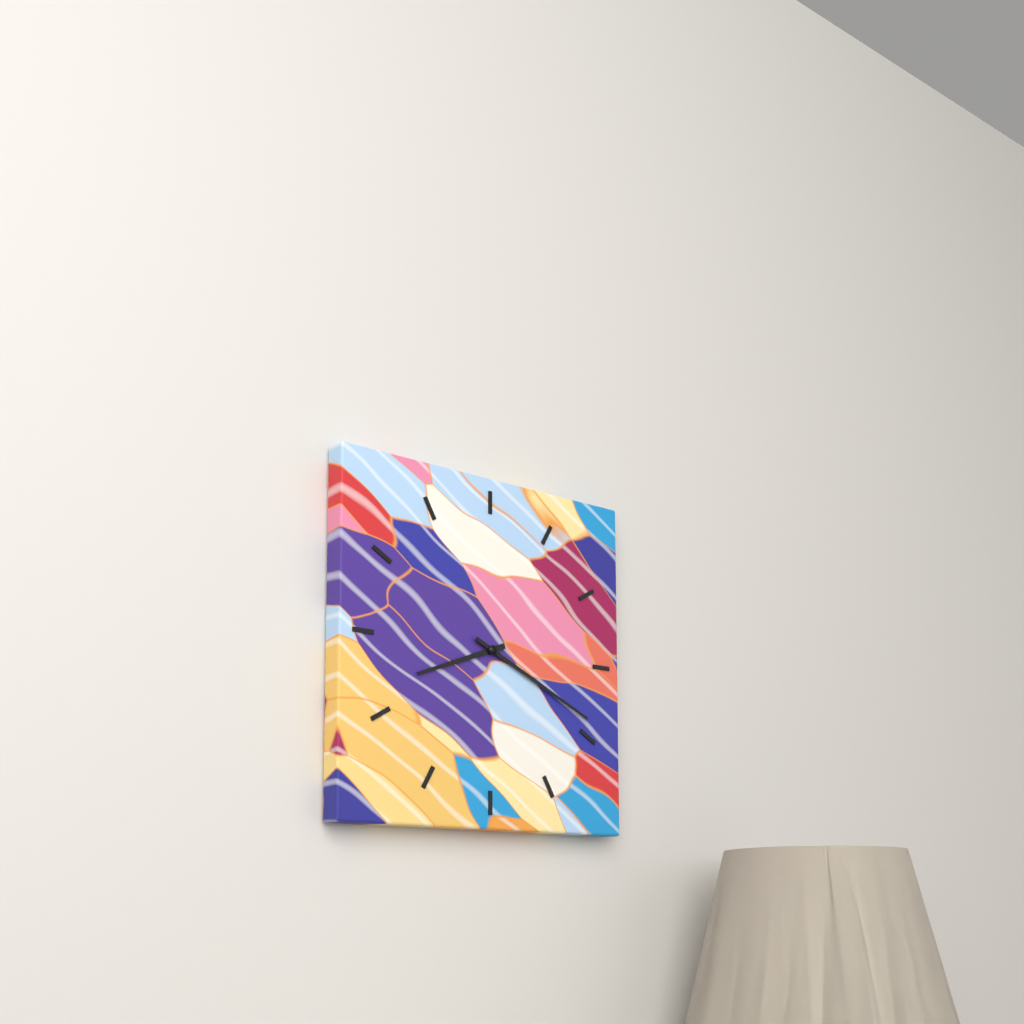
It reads 8:19
